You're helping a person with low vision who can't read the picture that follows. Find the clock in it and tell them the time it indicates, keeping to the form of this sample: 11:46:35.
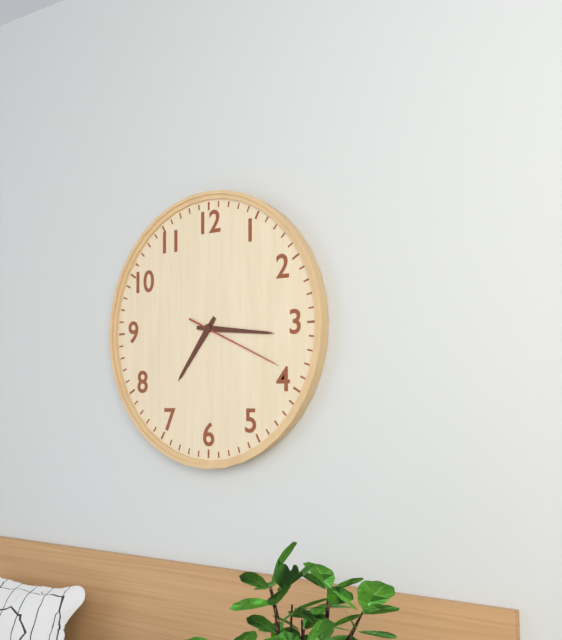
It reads 7:16:19
